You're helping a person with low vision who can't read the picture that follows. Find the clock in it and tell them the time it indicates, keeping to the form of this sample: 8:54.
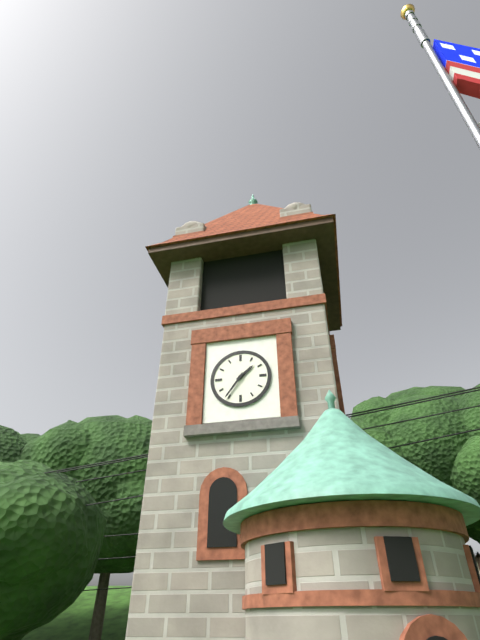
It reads 1:36
